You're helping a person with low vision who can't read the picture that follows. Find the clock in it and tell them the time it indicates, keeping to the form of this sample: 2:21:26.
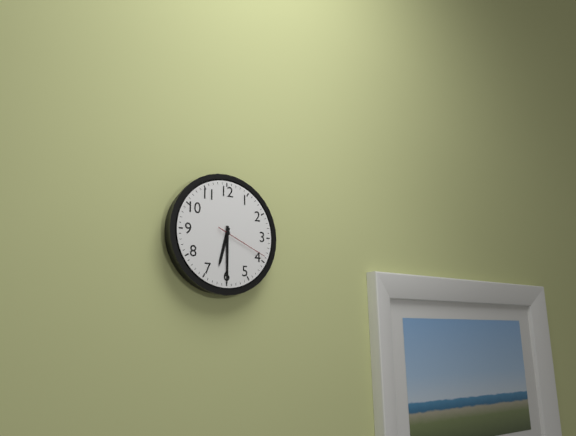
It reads 6:30:19
